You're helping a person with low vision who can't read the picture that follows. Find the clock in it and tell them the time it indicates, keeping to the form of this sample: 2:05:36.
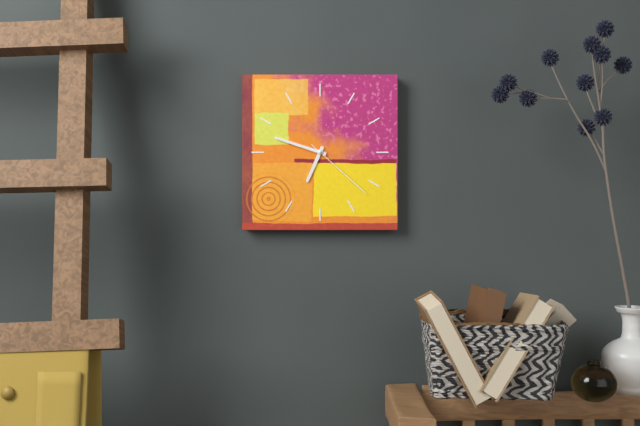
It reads 6:48:22
